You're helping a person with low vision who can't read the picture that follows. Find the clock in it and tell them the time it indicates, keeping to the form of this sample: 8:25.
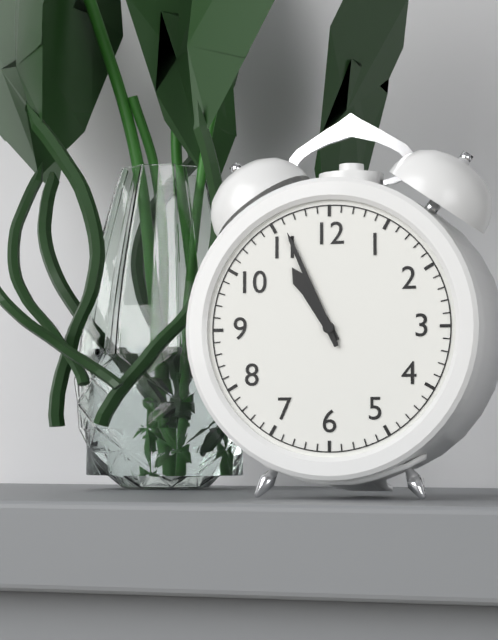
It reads 10:56
